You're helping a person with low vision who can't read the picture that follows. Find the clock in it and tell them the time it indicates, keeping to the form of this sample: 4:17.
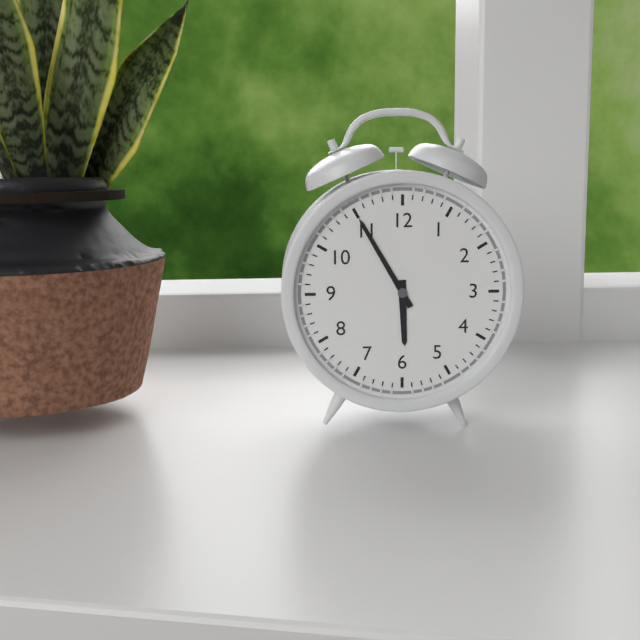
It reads 5:55
